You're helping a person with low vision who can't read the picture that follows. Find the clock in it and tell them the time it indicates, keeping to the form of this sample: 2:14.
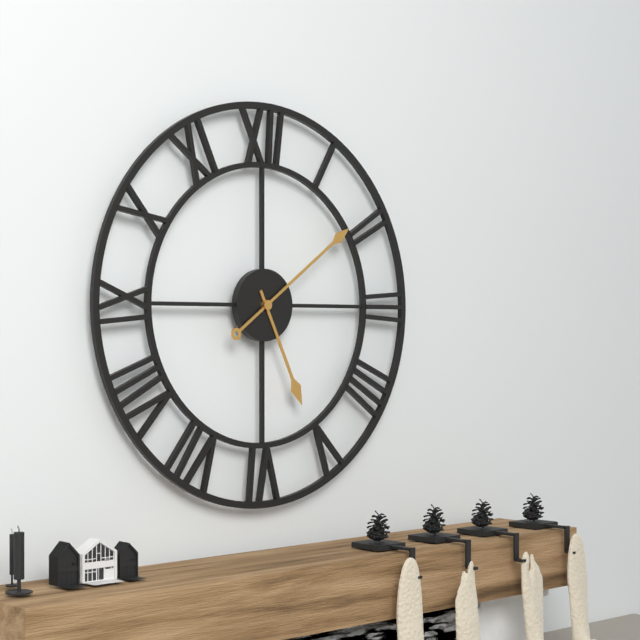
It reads 5:09
